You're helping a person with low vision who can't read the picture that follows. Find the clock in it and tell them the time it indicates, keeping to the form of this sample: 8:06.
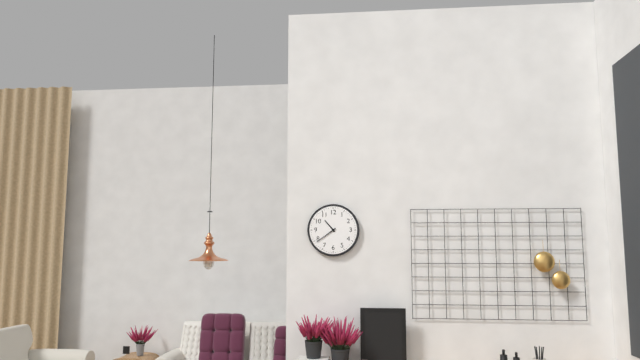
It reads 10:39
